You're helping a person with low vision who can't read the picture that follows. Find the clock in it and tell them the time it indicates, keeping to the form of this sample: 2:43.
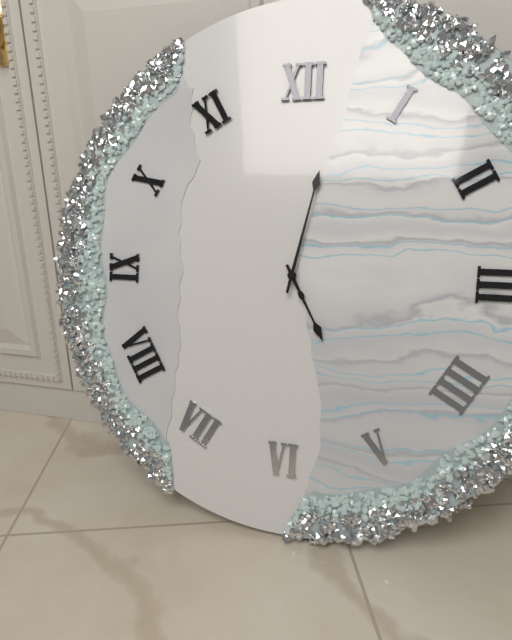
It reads 5:02
